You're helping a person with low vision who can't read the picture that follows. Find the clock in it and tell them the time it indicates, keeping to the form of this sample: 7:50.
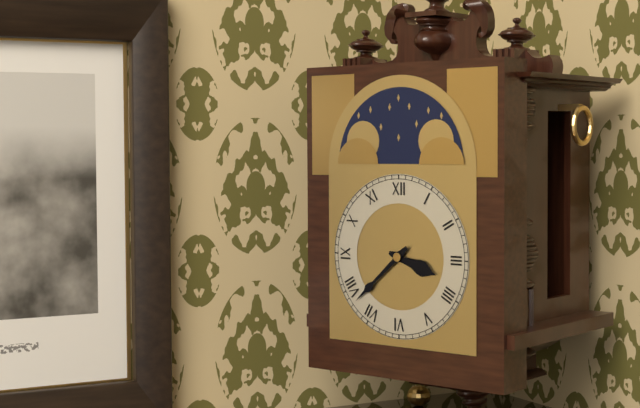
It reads 3:38
